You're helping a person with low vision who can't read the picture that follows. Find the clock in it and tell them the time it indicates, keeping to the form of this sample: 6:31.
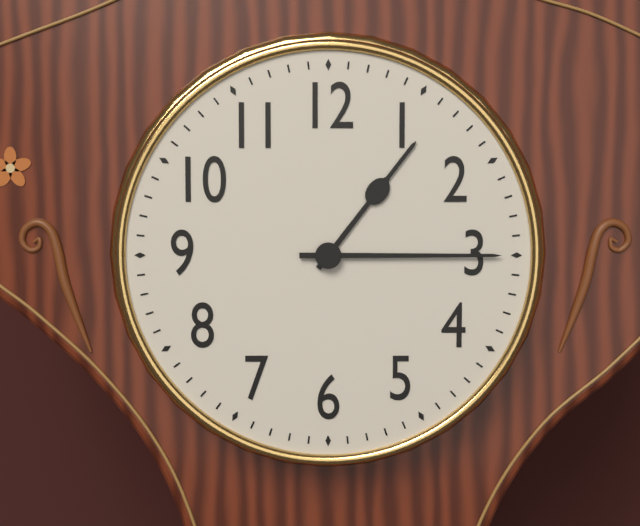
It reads 1:15
